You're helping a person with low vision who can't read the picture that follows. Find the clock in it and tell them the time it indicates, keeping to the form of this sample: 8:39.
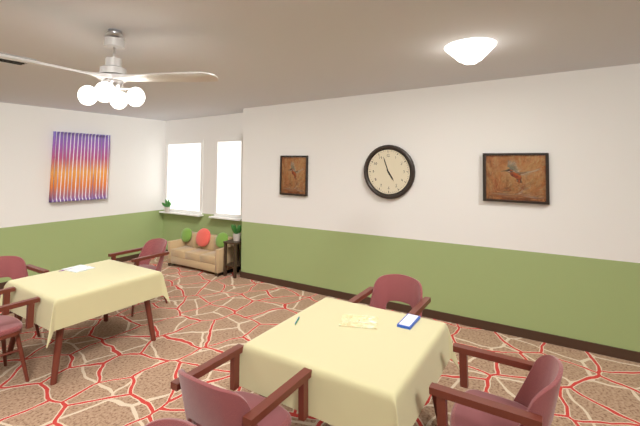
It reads 4:57
